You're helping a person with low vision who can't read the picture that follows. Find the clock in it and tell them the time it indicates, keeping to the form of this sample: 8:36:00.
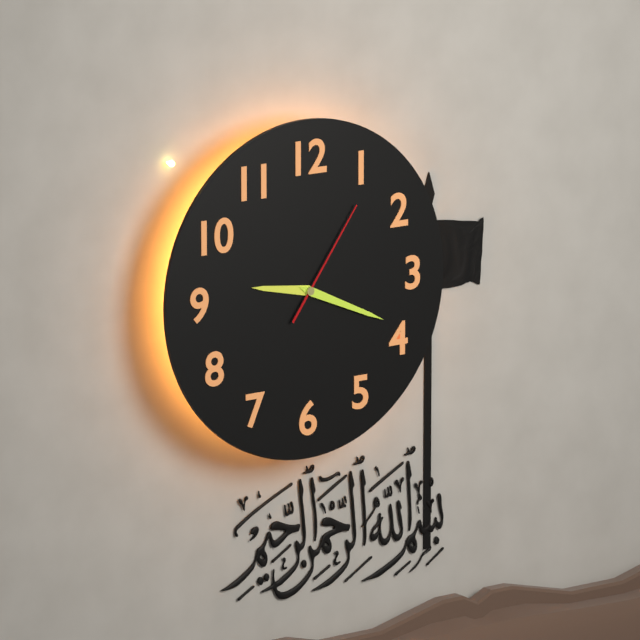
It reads 9:19:06
